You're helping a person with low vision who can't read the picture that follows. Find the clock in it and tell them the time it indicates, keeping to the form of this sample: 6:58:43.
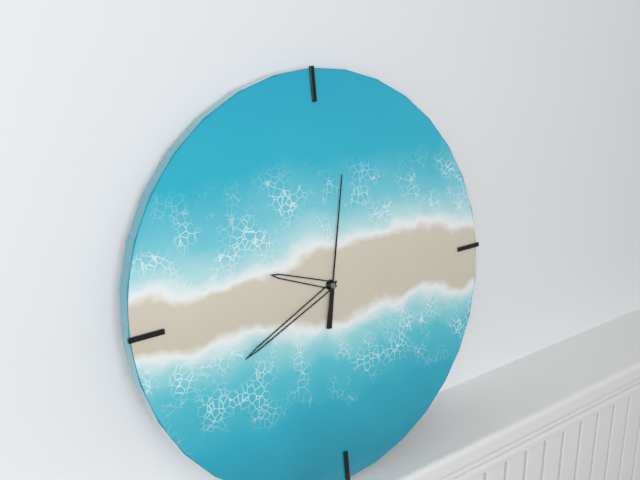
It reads 9:41:02
